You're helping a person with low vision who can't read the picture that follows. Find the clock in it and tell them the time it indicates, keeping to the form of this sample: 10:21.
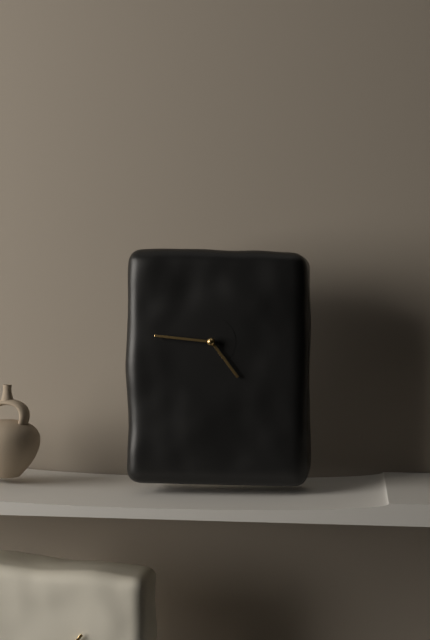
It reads 4:46
